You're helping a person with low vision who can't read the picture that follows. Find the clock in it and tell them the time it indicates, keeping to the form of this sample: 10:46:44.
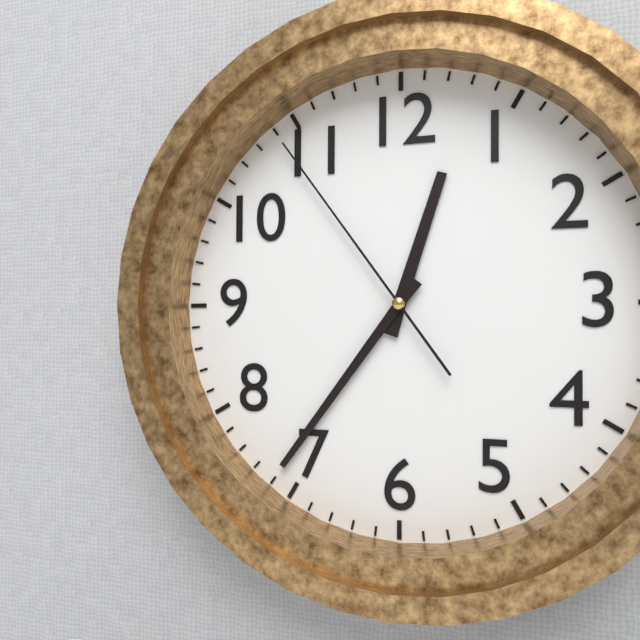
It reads 12:36:54
